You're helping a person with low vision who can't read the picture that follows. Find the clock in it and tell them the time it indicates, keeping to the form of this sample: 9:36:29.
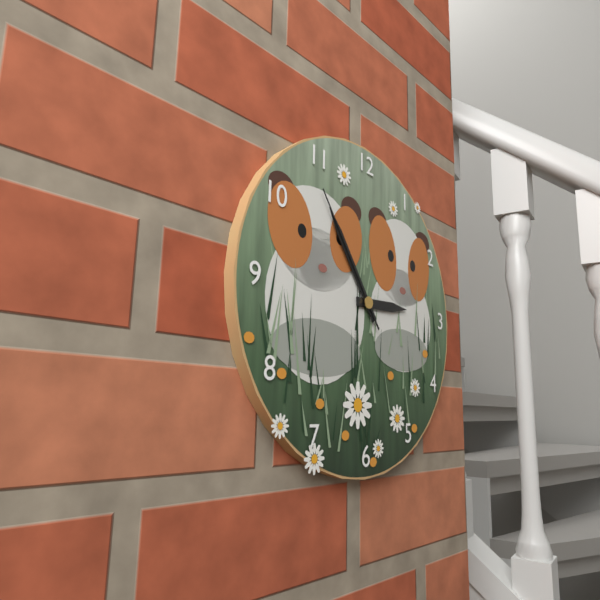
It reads 2:54:54
